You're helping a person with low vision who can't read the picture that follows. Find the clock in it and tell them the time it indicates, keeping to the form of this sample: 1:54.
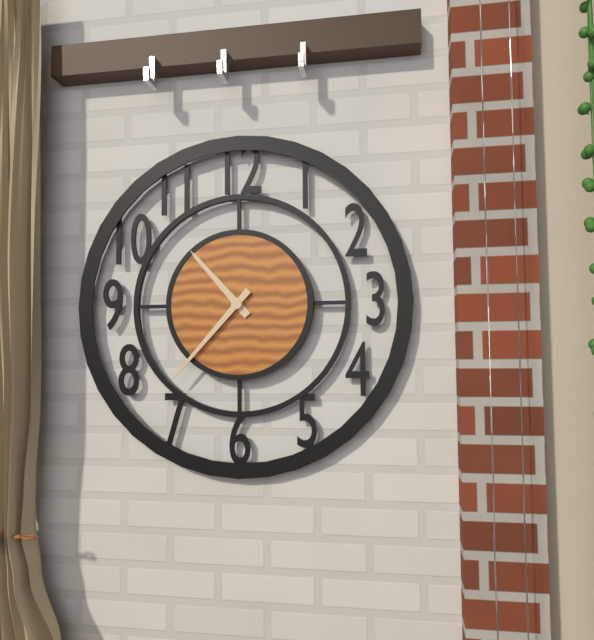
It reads 10:37
